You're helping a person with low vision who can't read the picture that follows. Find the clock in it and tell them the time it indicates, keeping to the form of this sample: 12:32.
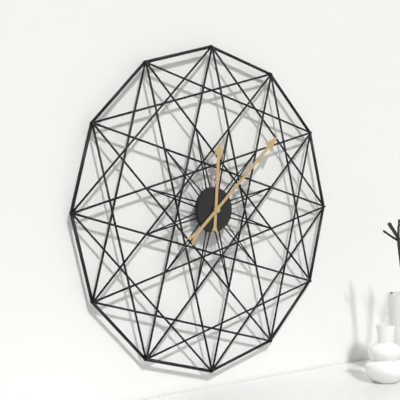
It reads 12:08
